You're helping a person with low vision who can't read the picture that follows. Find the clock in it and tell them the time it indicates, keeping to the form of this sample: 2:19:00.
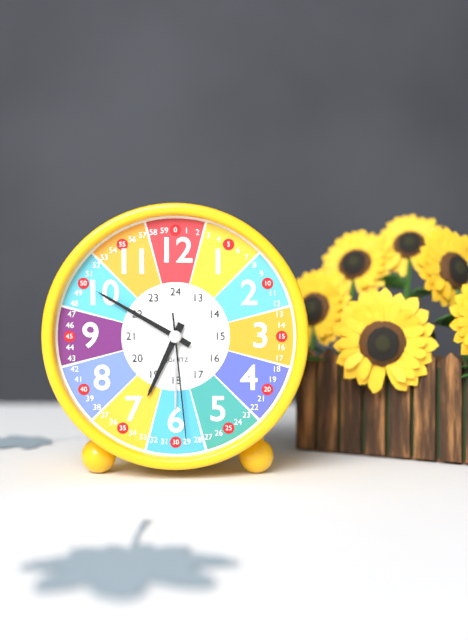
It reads 6:50:29
